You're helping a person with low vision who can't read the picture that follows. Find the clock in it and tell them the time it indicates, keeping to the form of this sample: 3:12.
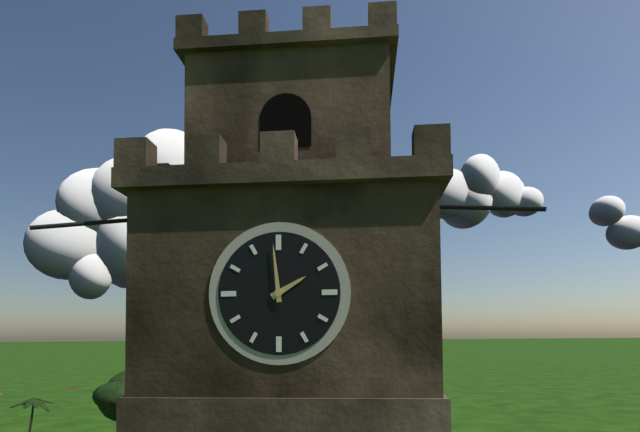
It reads 1:59
